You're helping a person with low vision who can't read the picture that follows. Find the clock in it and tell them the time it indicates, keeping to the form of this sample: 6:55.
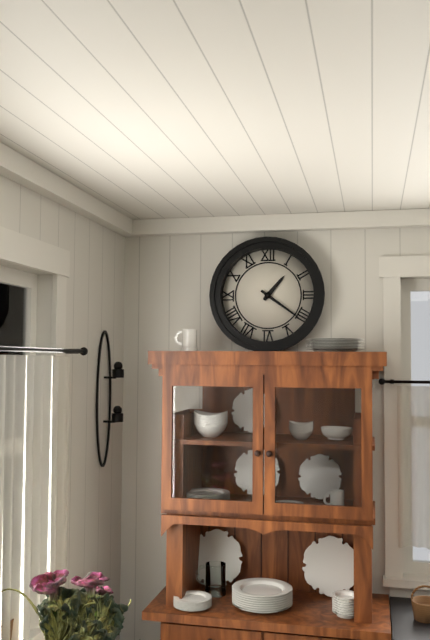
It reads 1:21
